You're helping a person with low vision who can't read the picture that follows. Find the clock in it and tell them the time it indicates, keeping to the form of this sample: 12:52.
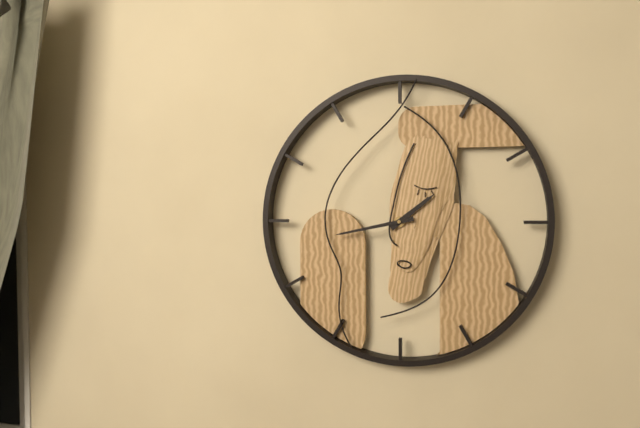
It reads 1:43
